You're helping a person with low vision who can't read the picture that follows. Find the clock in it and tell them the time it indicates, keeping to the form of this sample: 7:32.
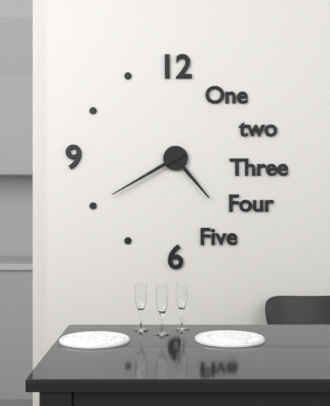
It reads 4:40
